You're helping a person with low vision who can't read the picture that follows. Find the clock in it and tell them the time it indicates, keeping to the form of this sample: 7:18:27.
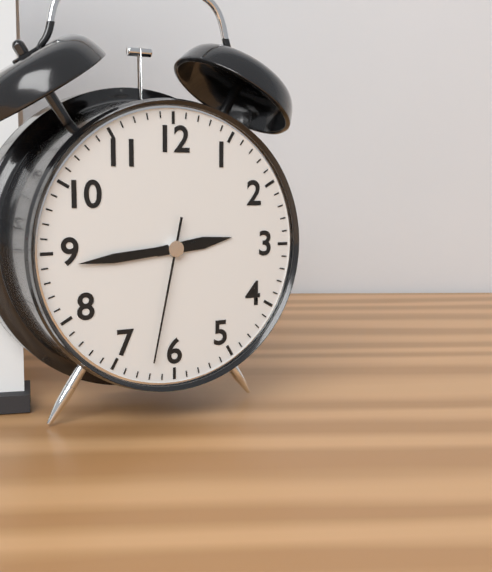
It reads 2:44:32
